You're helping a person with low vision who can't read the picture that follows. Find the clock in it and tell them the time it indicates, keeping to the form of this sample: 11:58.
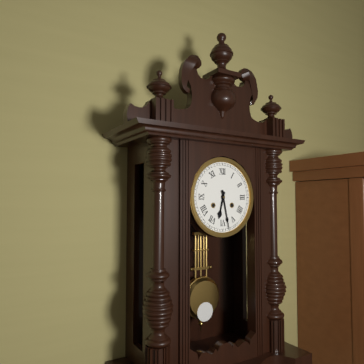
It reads 6:28
